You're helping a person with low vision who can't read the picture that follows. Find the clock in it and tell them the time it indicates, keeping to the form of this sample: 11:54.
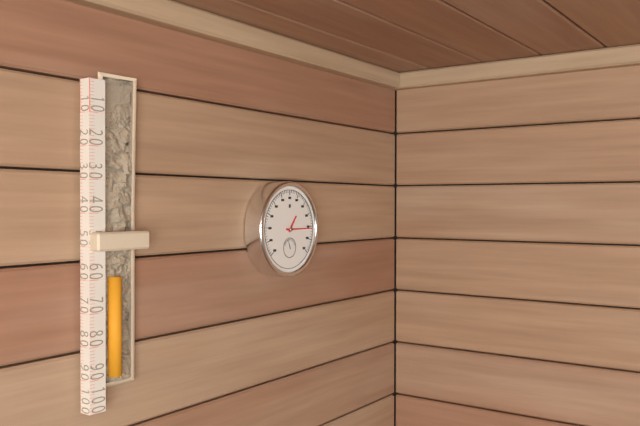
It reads 1:15
